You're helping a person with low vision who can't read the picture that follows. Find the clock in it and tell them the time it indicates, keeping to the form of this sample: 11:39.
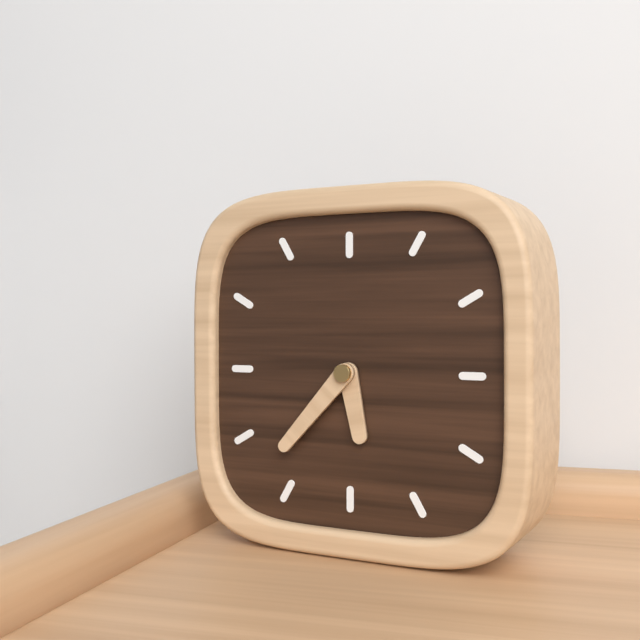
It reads 5:37
